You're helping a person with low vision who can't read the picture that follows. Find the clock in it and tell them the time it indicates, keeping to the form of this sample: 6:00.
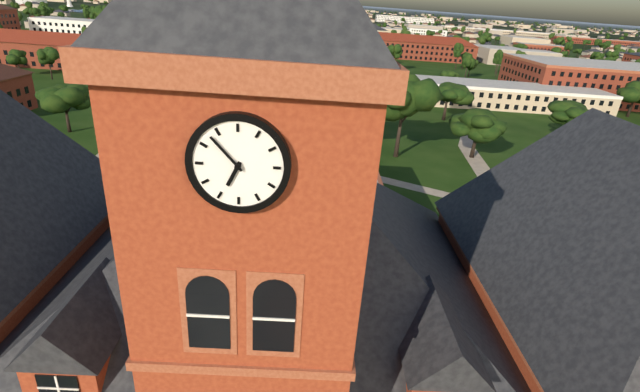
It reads 6:53
